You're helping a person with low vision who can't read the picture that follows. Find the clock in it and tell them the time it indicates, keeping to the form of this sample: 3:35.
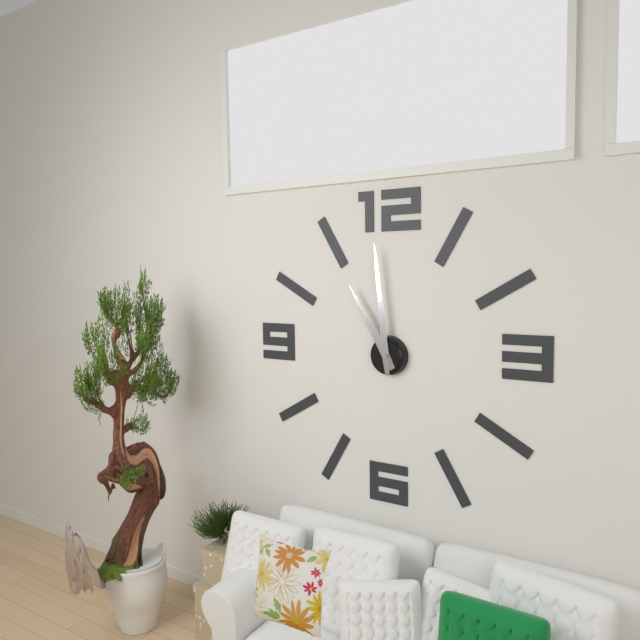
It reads 10:59
